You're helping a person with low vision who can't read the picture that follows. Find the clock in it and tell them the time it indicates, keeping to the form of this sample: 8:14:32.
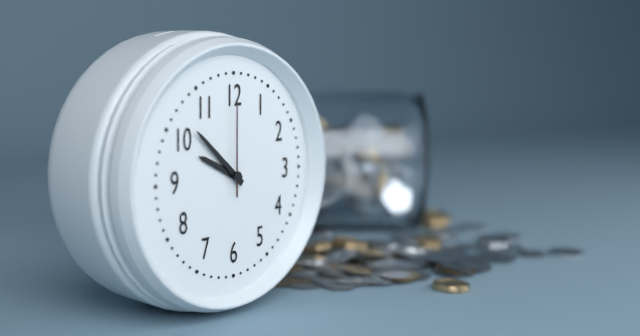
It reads 9:52:00
